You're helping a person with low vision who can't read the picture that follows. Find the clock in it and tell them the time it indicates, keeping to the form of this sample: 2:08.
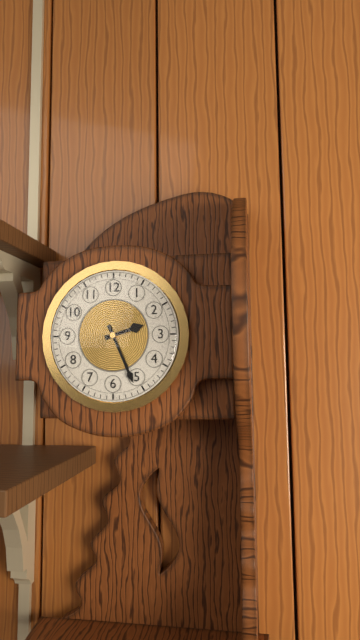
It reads 2:26
